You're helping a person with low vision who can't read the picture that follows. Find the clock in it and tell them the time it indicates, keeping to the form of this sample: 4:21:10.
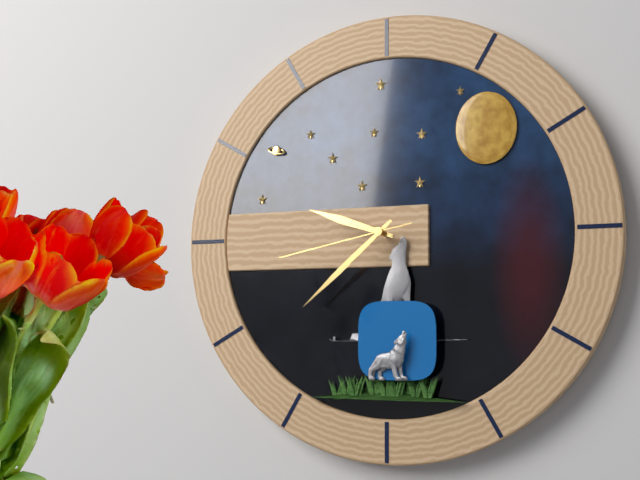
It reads 9:38:43
